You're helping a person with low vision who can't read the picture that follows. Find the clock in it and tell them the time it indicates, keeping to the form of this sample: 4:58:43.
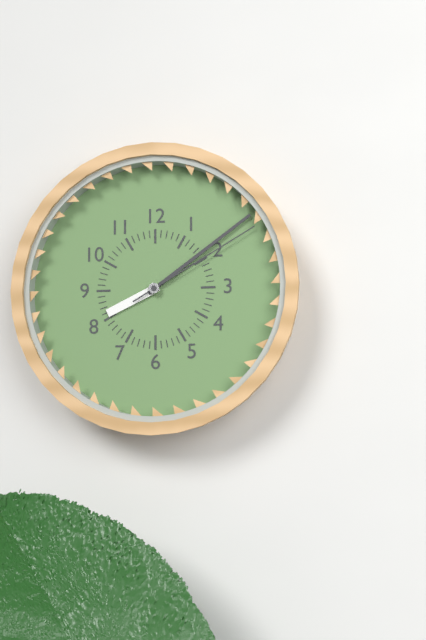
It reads 8:09:10
